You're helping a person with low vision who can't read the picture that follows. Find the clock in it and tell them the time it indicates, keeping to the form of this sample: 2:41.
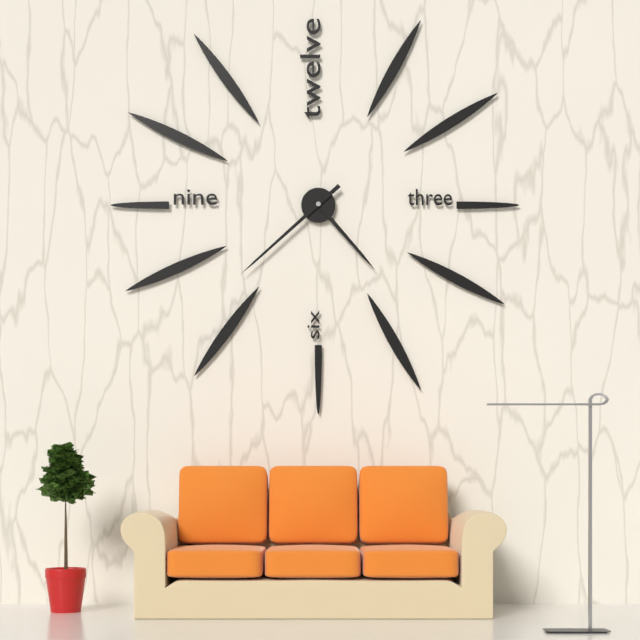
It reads 4:38
